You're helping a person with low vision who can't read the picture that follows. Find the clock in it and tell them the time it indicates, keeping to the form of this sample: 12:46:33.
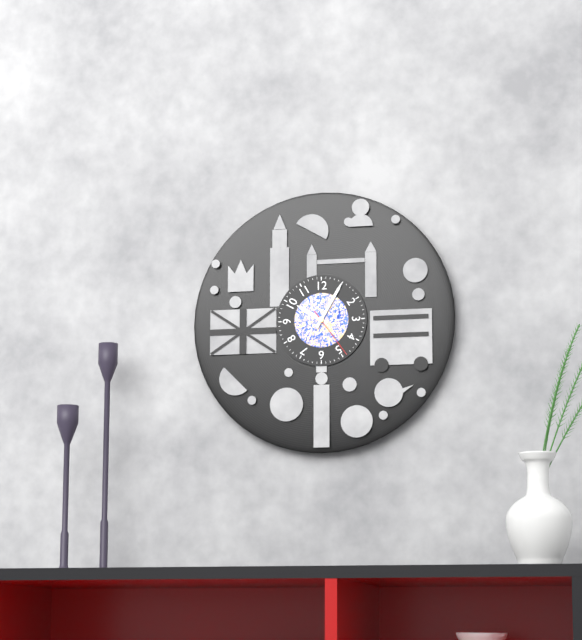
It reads 10:05:24
